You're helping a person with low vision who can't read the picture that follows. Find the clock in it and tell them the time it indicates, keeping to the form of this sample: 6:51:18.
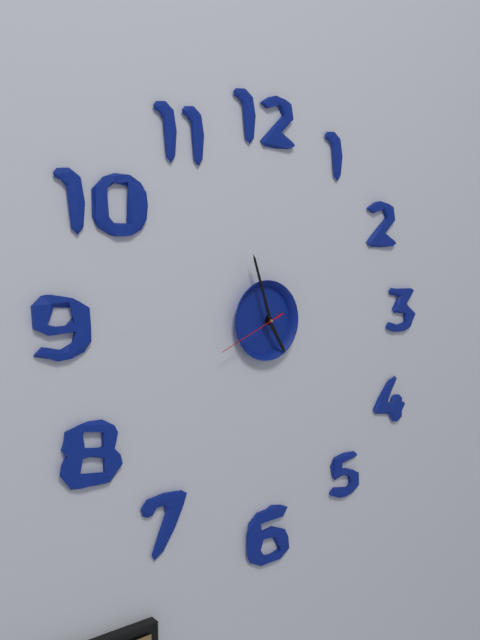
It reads 4:57:41
